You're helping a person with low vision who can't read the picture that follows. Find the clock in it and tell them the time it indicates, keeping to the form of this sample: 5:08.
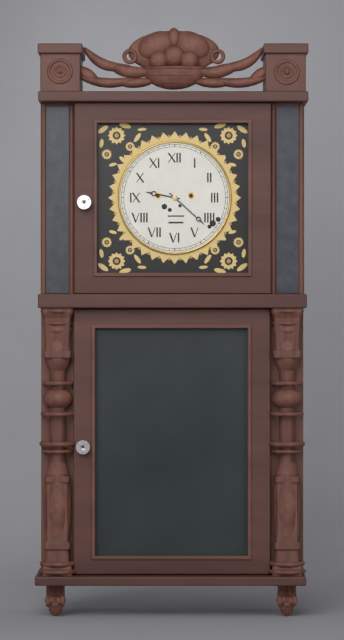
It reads 9:22
